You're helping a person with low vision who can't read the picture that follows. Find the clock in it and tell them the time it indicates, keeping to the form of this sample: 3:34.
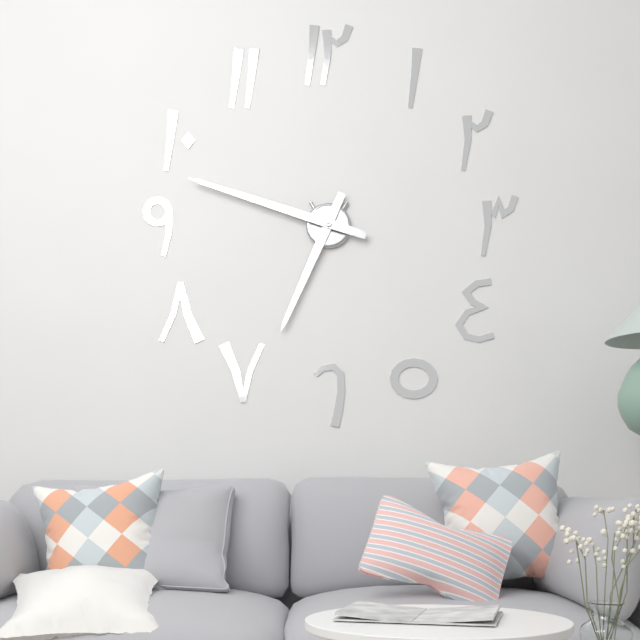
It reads 6:48
